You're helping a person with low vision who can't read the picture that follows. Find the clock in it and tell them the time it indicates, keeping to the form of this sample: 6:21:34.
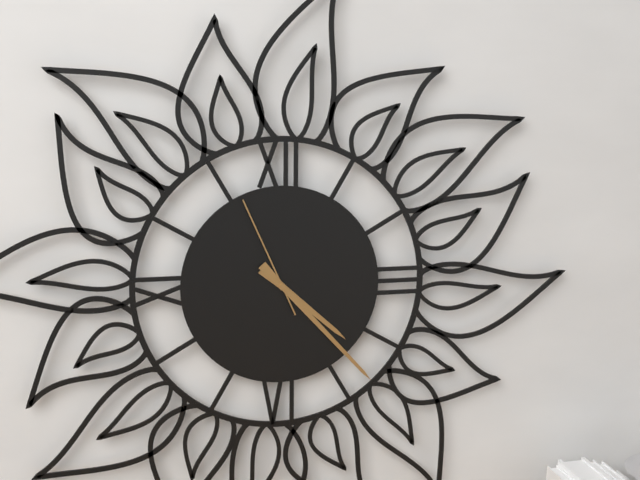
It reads 4:23:56
